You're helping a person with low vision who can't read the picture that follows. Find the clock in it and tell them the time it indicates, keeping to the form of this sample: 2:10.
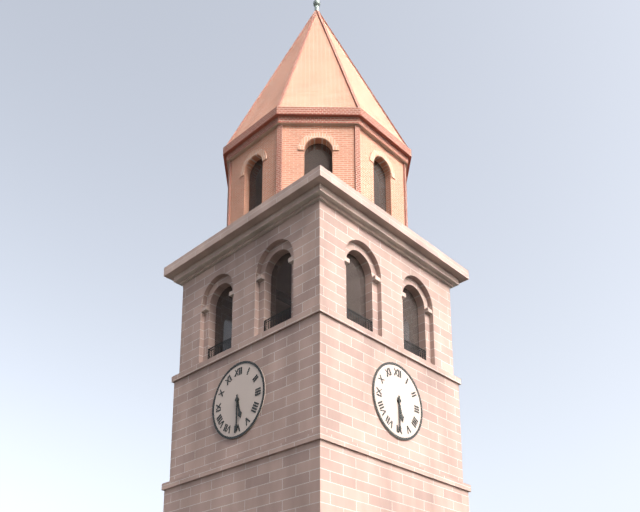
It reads 5:30
